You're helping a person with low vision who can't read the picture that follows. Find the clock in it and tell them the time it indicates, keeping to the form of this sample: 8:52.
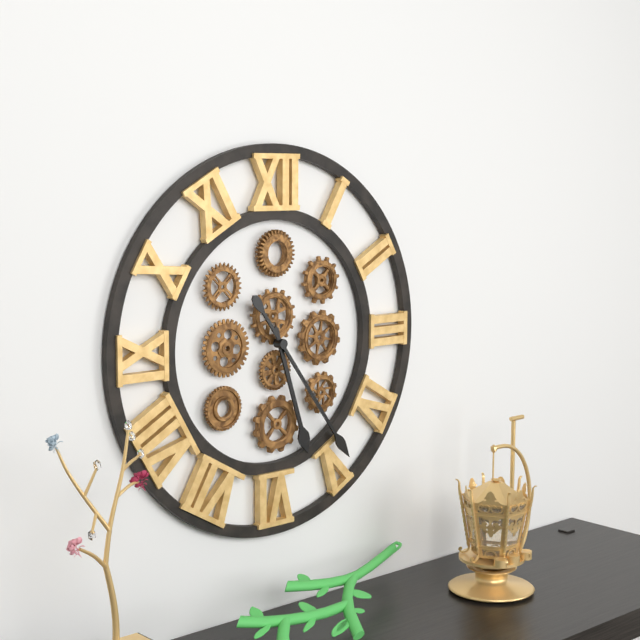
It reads 5:24
